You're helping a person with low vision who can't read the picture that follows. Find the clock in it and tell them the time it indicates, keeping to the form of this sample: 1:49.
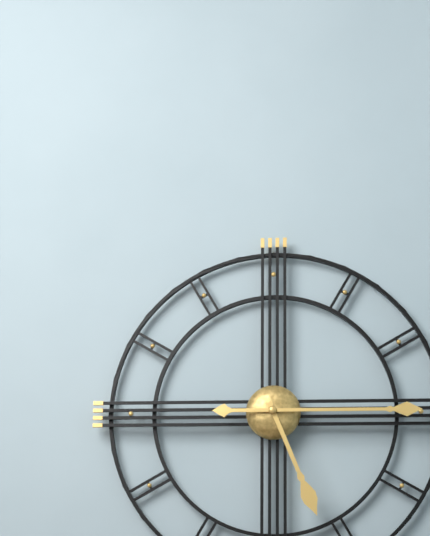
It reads 5:15
